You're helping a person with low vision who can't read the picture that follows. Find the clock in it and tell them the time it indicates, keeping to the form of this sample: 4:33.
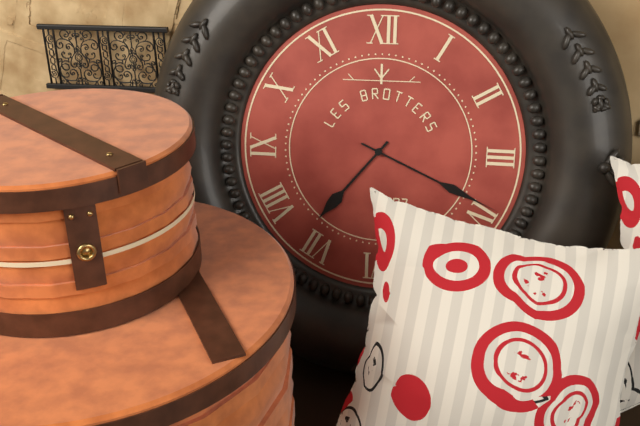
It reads 7:19
